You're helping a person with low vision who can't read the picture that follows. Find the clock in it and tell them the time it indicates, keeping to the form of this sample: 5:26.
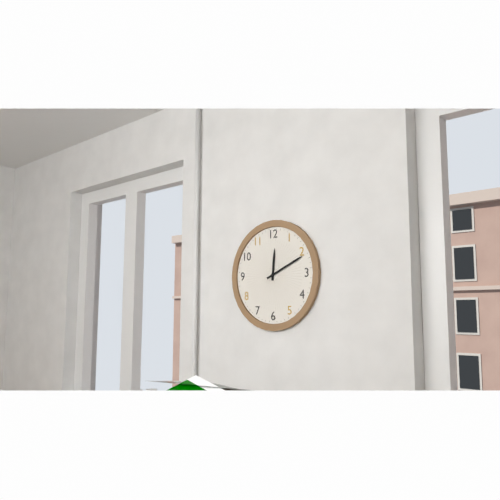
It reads 12:11
